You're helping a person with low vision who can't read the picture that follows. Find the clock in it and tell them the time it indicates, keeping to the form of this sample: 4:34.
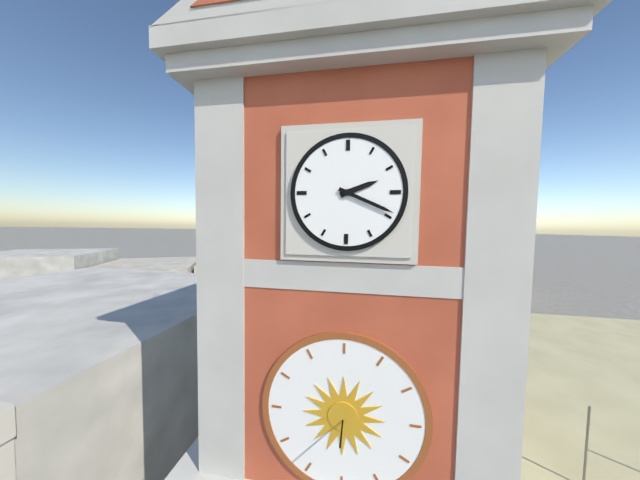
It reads 2:19
